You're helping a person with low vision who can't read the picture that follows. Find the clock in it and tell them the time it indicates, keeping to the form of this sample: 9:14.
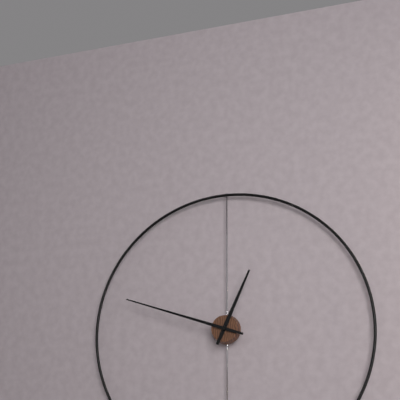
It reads 12:48
